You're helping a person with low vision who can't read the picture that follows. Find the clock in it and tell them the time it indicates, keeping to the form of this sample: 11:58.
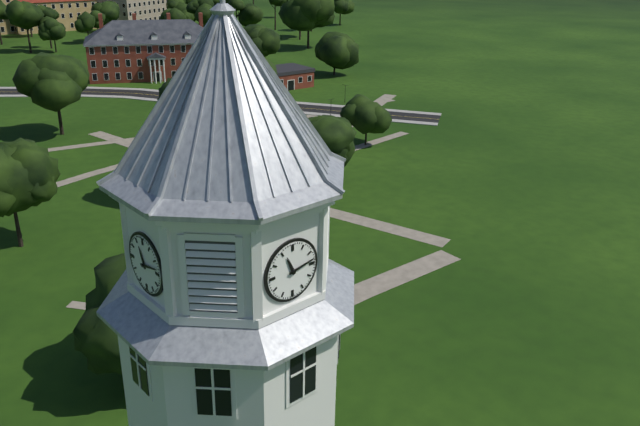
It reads 11:13
